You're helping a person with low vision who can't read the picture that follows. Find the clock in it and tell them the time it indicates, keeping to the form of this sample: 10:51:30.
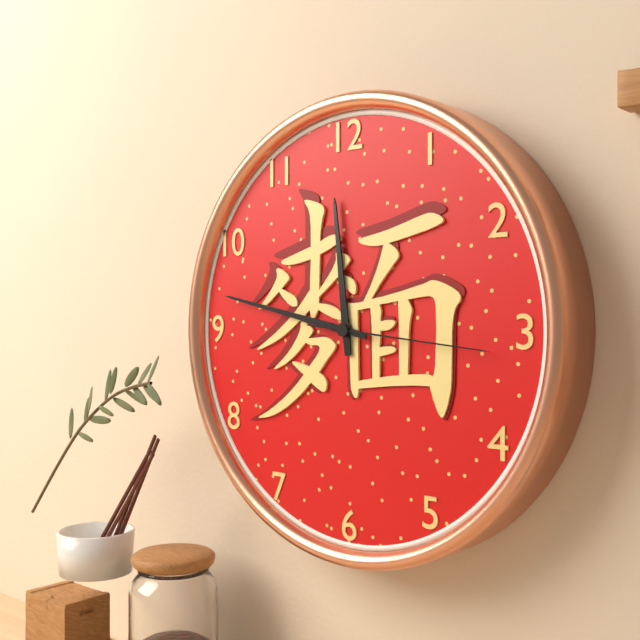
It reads 11:47:16
